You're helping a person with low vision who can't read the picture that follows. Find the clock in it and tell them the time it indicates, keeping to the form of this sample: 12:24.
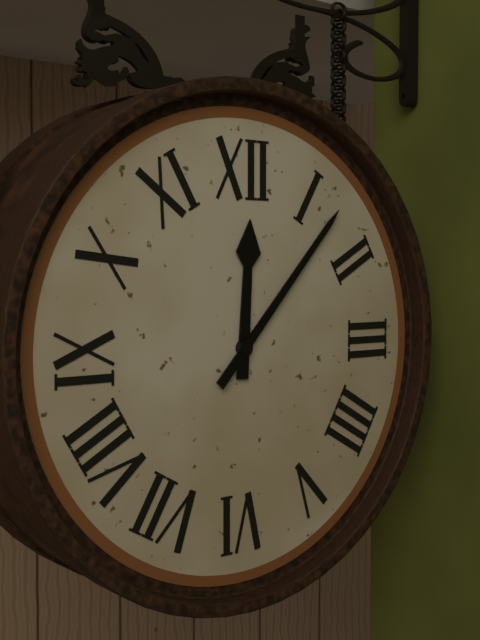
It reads 12:07
